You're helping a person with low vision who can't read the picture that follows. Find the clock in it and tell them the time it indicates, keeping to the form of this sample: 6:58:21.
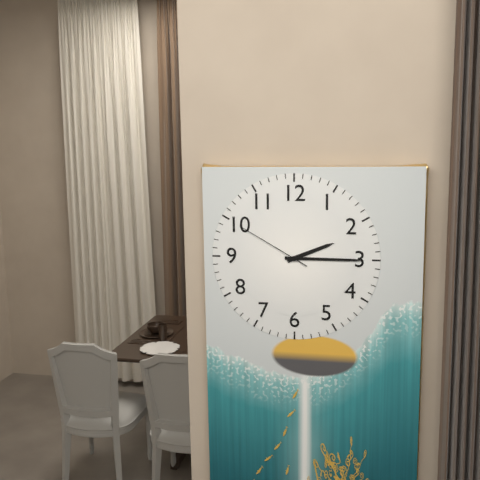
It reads 2:15:50
